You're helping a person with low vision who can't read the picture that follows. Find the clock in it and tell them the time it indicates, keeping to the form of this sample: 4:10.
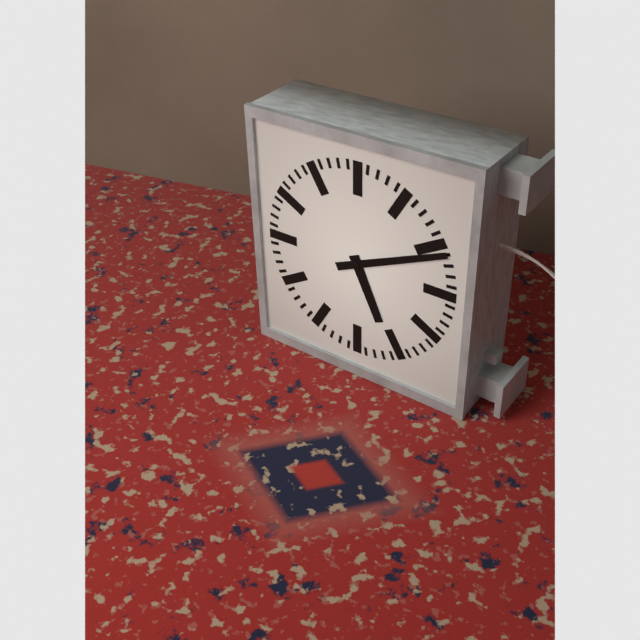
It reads 5:11
